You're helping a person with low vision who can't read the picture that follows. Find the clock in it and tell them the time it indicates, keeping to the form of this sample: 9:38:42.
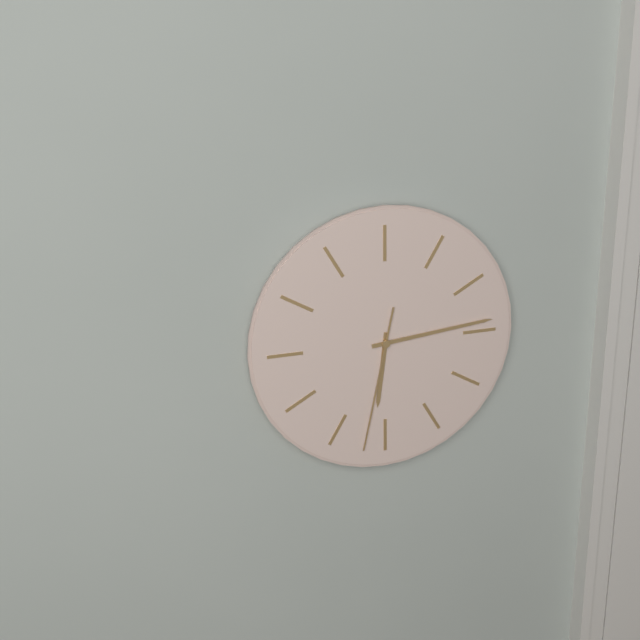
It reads 6:14:32
